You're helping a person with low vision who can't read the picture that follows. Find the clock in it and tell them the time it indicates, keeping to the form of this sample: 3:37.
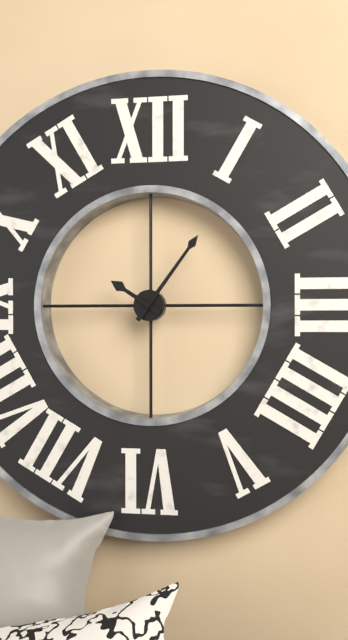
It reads 10:06
